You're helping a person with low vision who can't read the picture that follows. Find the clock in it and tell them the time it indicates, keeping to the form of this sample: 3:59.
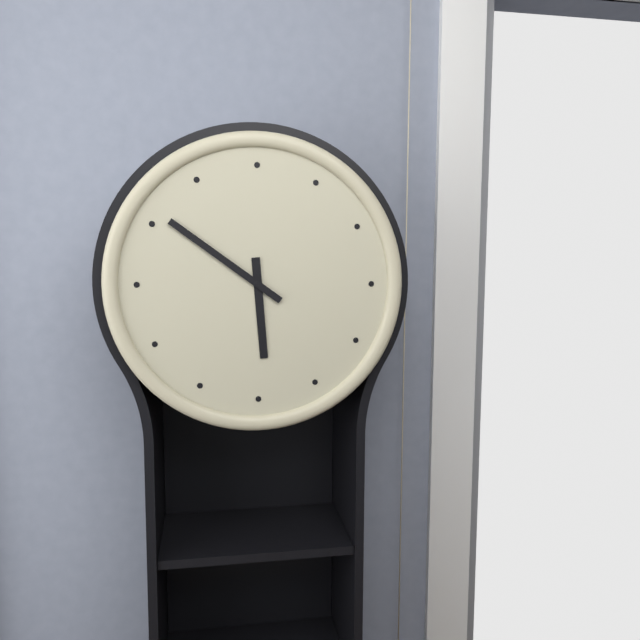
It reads 5:51
